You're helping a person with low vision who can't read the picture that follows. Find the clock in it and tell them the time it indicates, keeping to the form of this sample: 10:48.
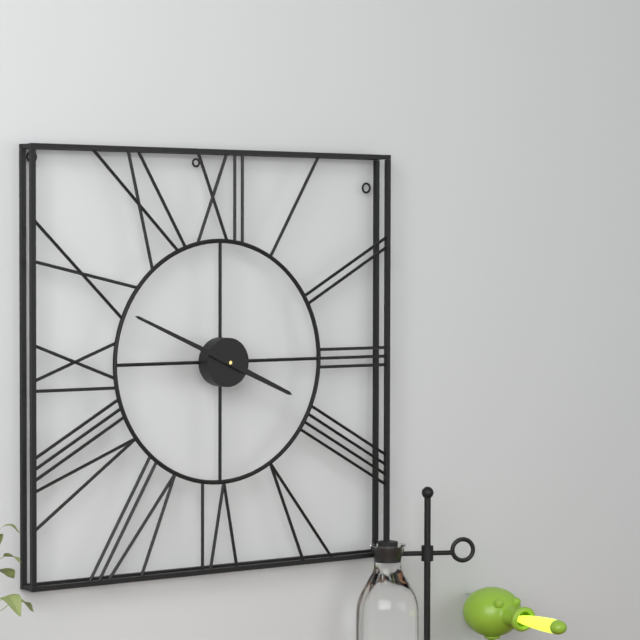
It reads 3:49
